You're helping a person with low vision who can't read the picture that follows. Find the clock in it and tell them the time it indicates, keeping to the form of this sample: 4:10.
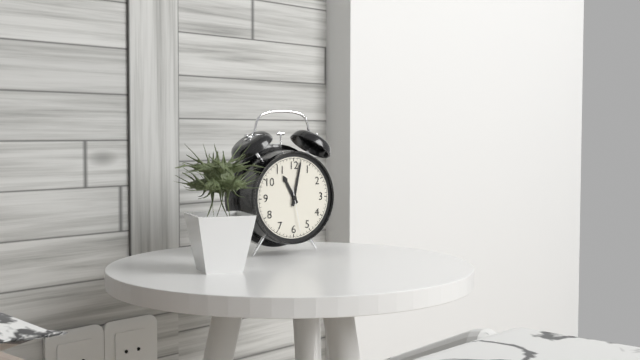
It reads 11:02
